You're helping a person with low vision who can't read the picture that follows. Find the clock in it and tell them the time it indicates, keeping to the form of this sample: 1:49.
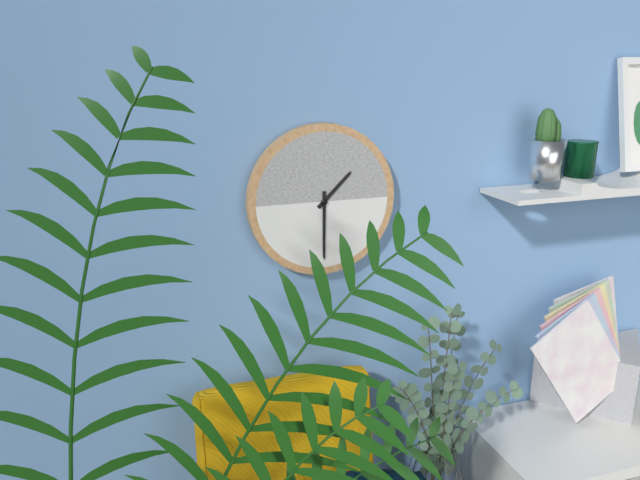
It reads 1:30
